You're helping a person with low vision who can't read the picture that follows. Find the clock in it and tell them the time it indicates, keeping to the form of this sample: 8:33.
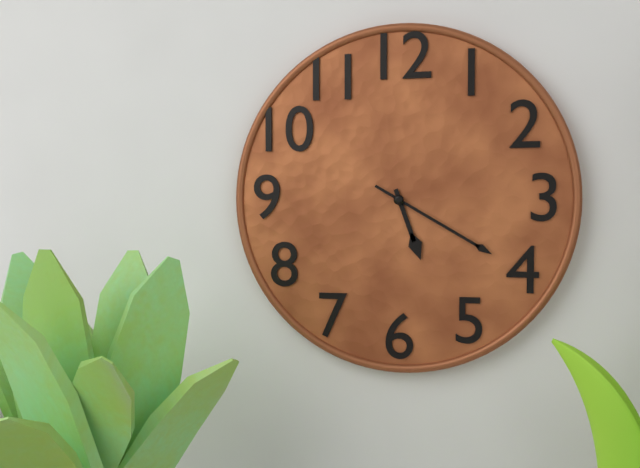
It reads 5:20
